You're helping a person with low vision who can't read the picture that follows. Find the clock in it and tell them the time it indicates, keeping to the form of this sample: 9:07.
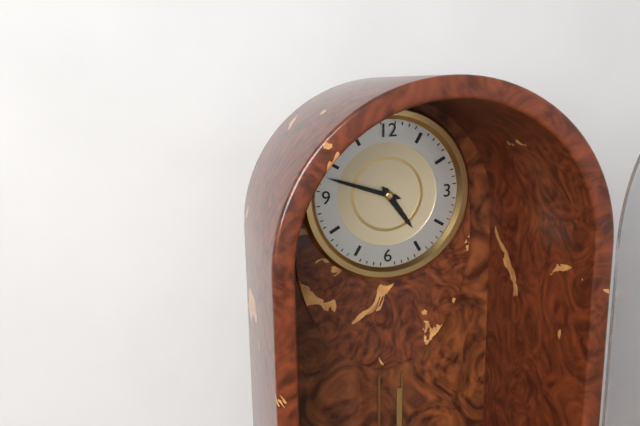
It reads 4:48
